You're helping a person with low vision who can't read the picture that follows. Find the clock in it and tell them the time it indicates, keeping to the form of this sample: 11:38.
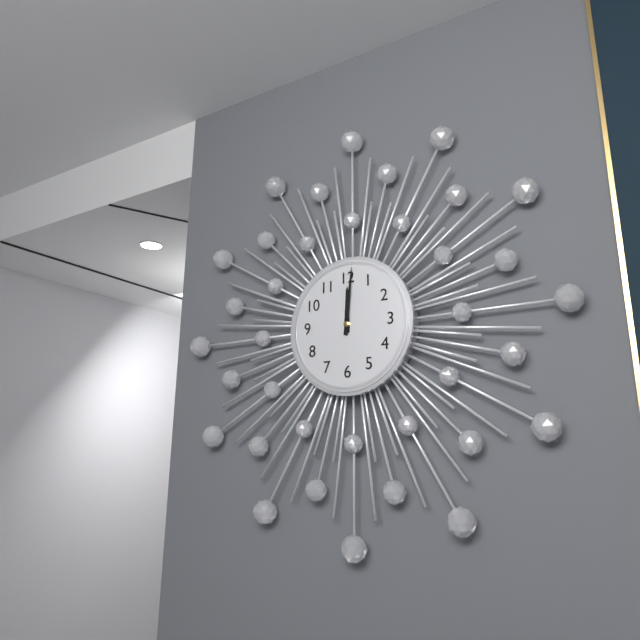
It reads 12:01
